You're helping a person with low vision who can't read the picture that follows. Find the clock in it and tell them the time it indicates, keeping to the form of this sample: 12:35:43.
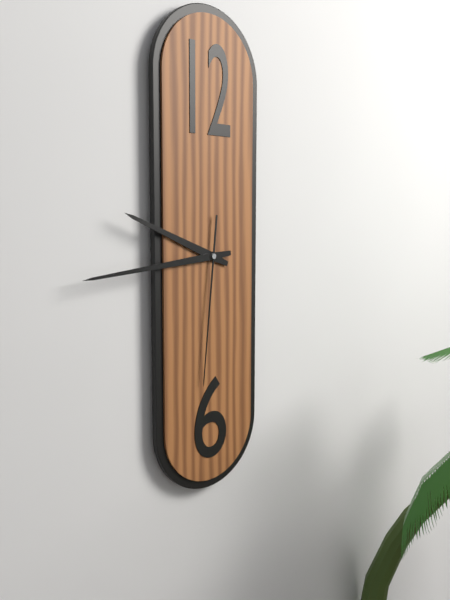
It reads 9:44:31
